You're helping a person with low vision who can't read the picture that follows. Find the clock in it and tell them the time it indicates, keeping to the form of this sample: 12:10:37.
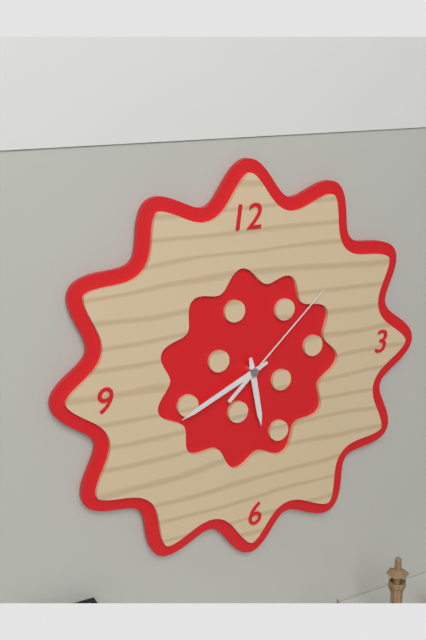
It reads 5:41:08
